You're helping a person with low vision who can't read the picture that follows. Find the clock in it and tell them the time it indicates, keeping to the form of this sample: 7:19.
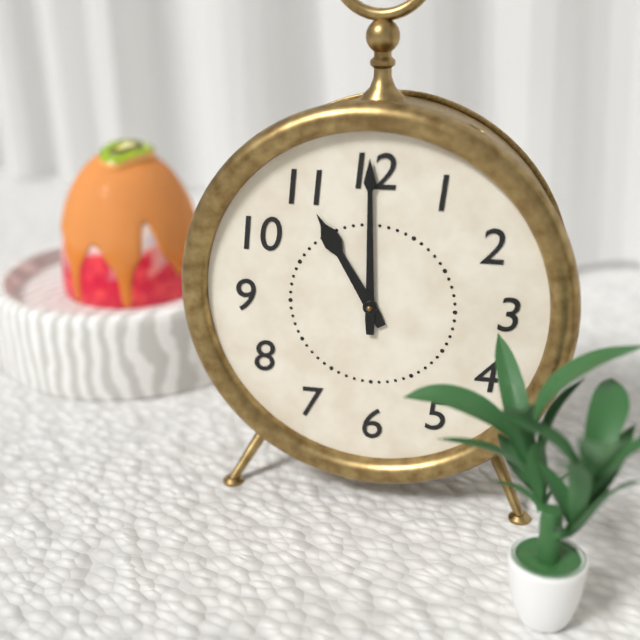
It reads 11:00
